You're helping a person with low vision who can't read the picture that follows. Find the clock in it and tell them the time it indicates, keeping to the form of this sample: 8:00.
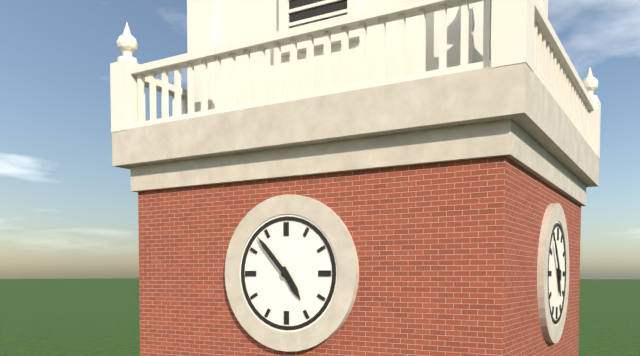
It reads 4:53
